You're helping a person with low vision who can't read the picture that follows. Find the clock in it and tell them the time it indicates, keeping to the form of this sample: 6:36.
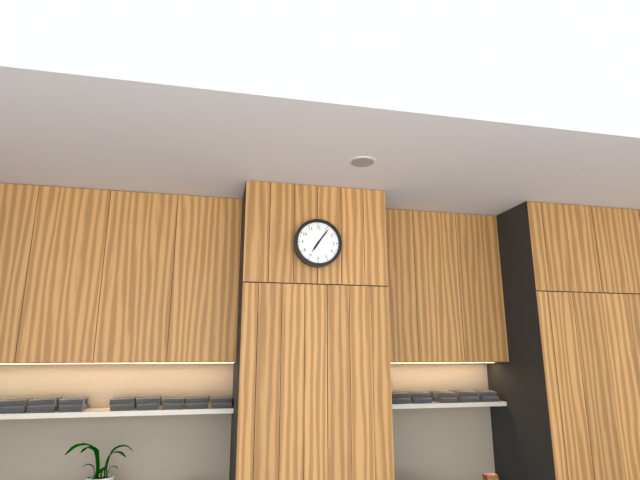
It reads 7:06
